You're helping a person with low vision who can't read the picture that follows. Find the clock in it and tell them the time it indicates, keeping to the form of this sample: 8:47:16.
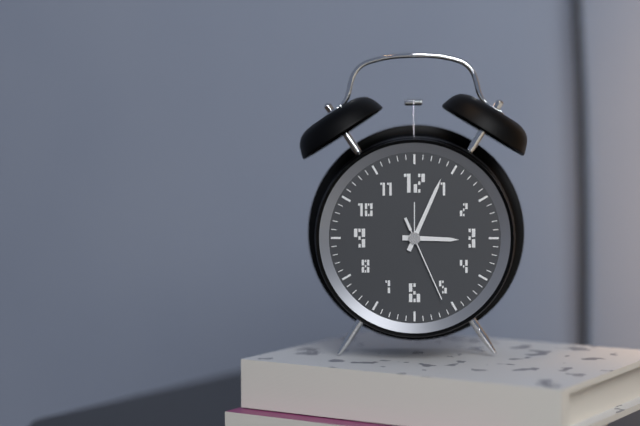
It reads 3:04:26
